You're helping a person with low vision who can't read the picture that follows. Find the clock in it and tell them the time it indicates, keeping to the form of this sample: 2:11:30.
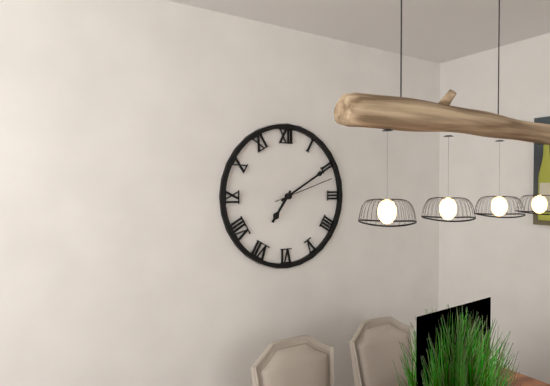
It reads 7:10:12
